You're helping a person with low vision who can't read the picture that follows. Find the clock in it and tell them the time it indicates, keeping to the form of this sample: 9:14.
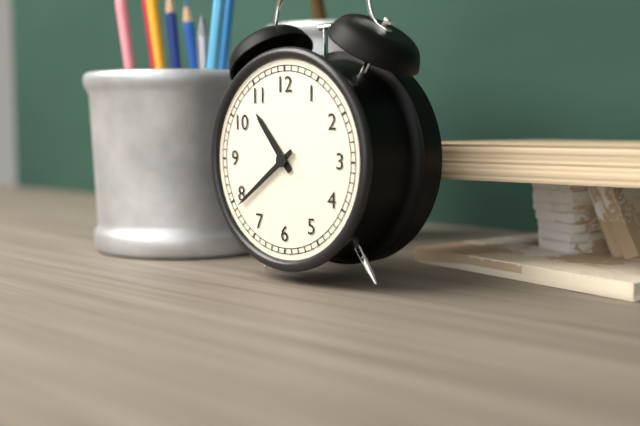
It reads 10:39
